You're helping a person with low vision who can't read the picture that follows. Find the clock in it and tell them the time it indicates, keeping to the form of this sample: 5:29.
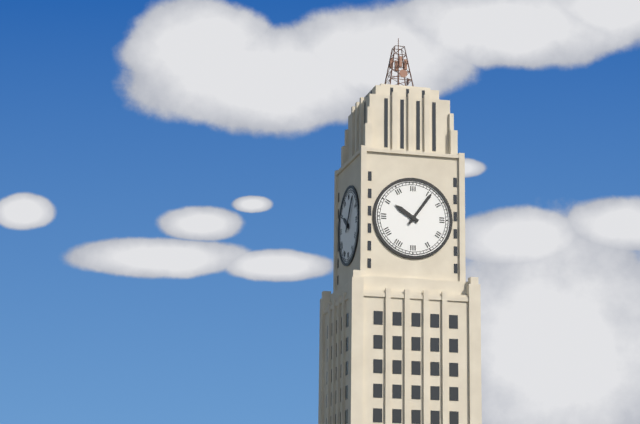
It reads 10:06
